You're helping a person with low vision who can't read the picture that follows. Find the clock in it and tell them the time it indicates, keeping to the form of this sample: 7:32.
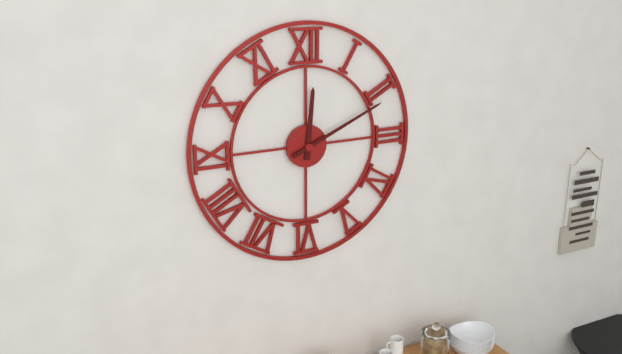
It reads 12:11
